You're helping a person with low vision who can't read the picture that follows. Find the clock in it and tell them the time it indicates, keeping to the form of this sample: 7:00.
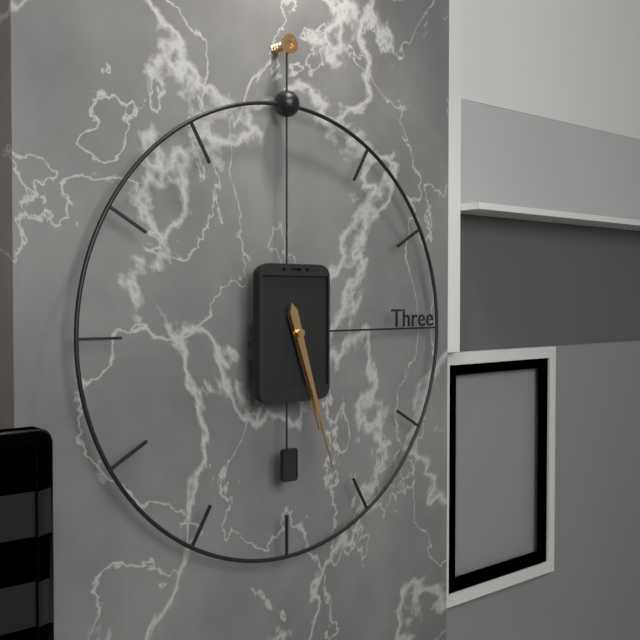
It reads 5:27
